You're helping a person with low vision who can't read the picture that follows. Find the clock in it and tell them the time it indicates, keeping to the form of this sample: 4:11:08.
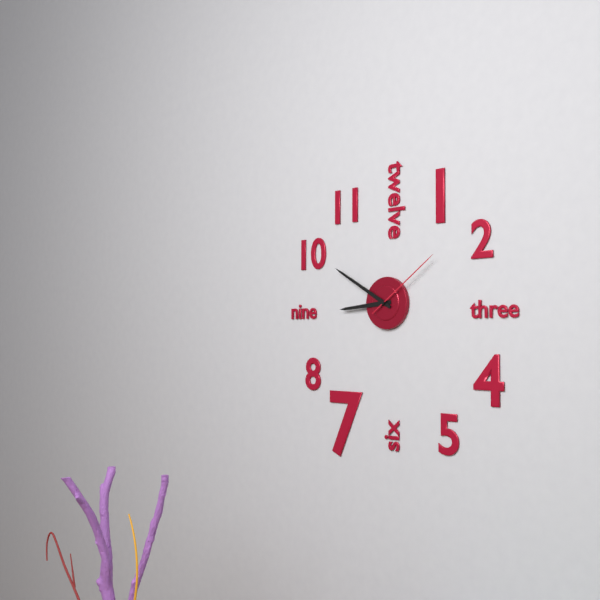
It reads 8:50:09
